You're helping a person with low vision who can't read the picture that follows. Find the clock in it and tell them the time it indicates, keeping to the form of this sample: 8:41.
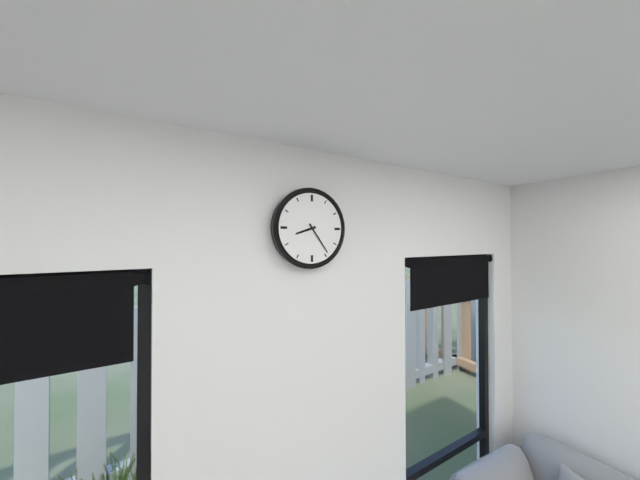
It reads 8:24
